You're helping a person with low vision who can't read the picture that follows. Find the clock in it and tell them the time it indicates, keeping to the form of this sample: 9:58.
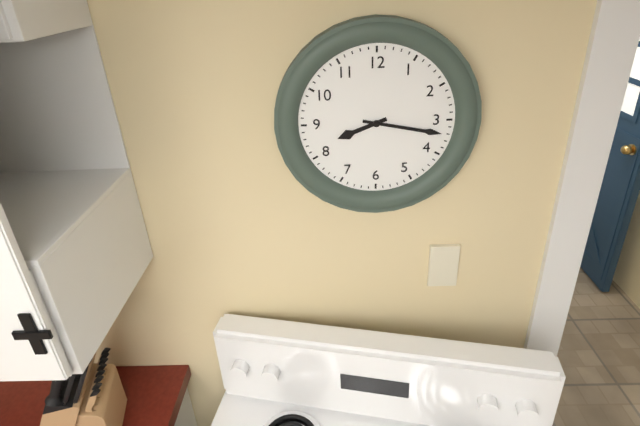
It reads 8:17
